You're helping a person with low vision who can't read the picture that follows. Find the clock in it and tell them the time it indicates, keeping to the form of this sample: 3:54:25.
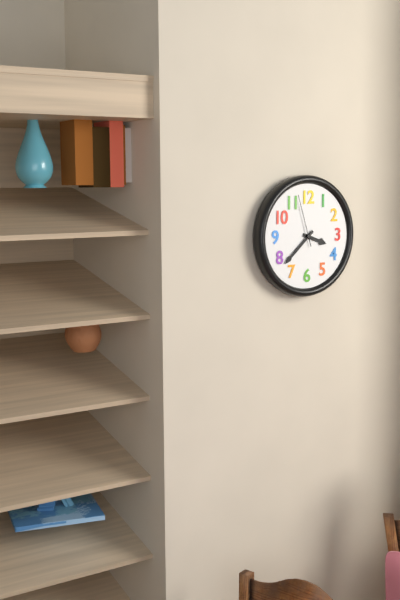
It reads 3:38:57
